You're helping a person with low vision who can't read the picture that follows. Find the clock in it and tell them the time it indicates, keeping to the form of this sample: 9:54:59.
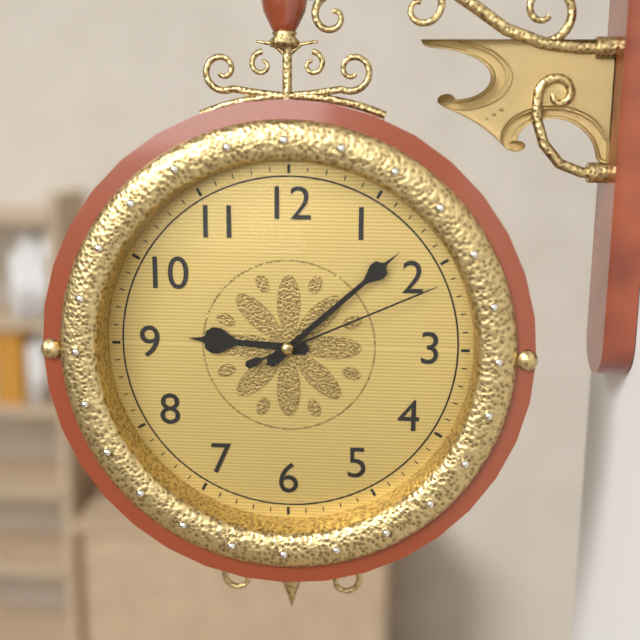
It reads 9:08:11
